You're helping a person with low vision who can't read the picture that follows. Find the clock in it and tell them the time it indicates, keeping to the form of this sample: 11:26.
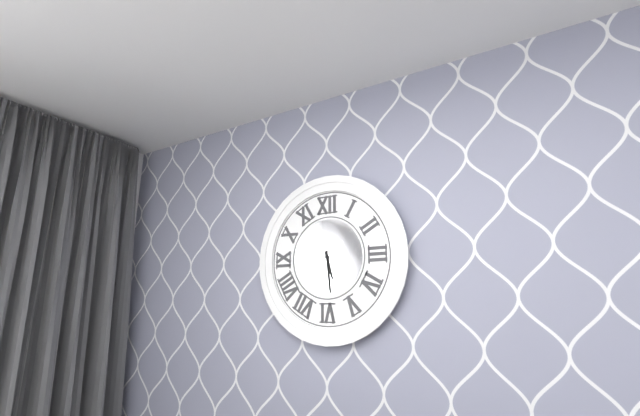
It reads 5:29
